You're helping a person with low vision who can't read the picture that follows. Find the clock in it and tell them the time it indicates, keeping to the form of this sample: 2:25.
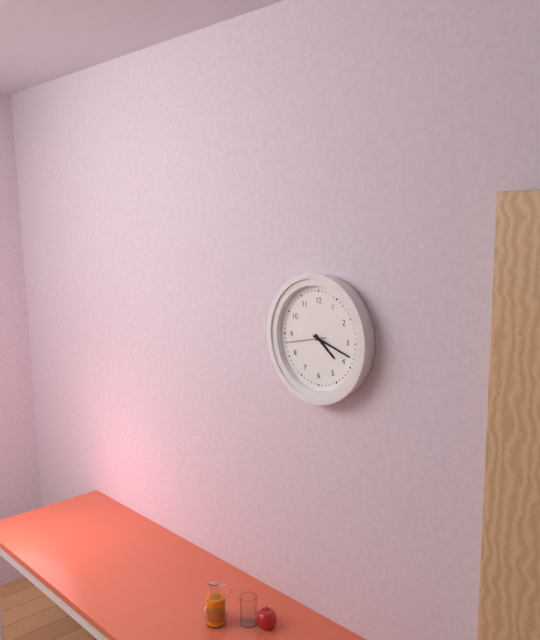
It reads 4:18
